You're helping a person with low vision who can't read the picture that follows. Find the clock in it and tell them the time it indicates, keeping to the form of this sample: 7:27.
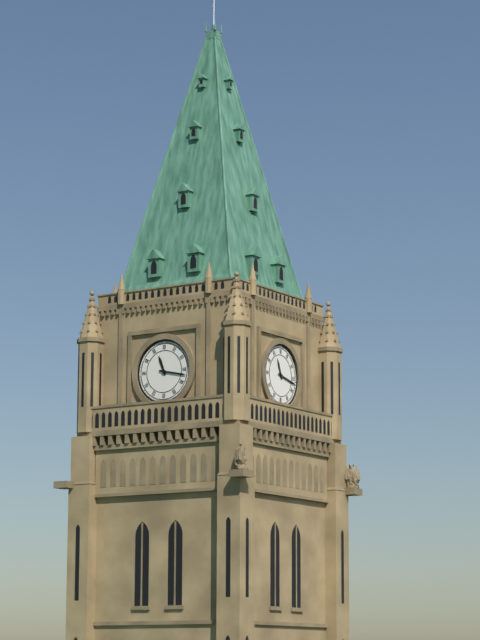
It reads 11:17
